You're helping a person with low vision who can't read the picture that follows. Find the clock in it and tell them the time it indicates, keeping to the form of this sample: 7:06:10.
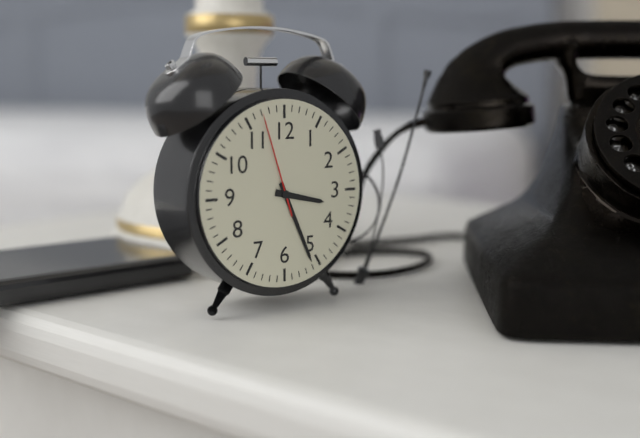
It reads 3:26:57
